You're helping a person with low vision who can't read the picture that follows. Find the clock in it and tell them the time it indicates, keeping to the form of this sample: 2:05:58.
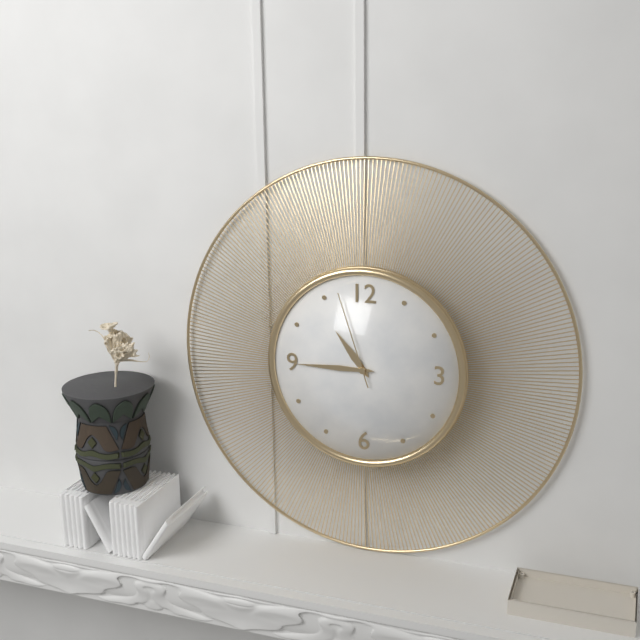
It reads 10:45:57
